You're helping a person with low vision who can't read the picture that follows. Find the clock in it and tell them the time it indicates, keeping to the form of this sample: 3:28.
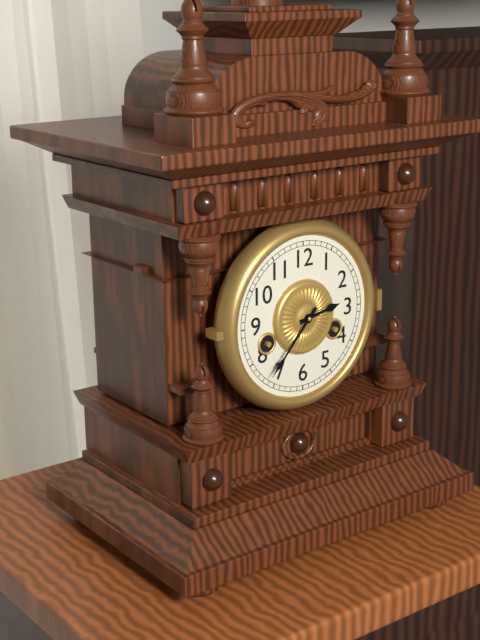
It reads 2:37
